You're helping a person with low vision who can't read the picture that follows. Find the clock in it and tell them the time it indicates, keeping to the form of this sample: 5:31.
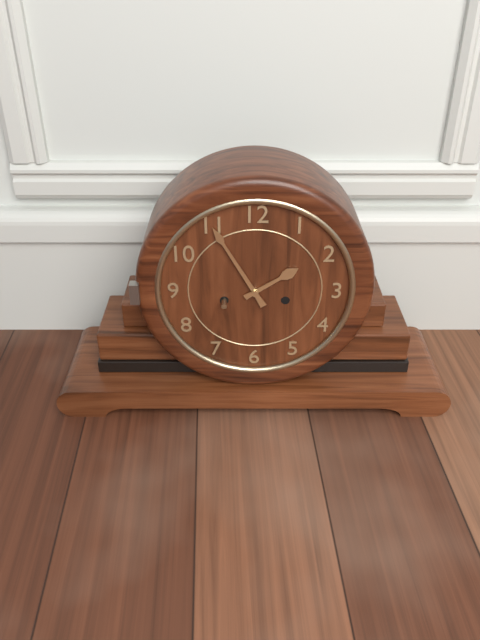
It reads 1:55
